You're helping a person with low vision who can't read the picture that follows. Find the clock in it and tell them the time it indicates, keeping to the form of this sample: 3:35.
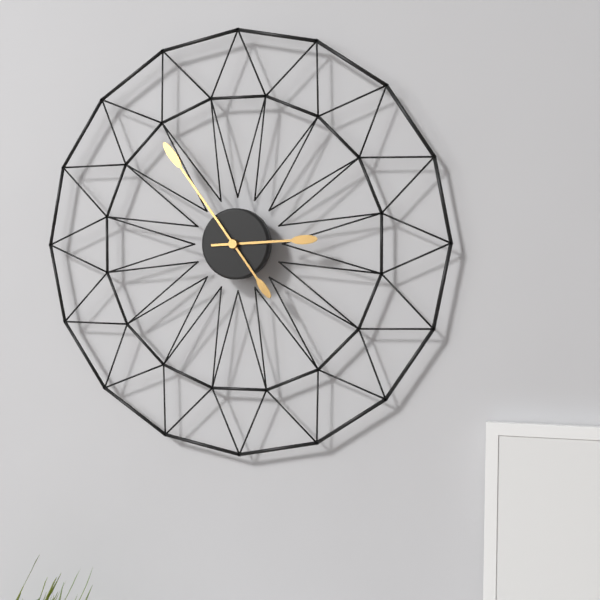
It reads 2:54
